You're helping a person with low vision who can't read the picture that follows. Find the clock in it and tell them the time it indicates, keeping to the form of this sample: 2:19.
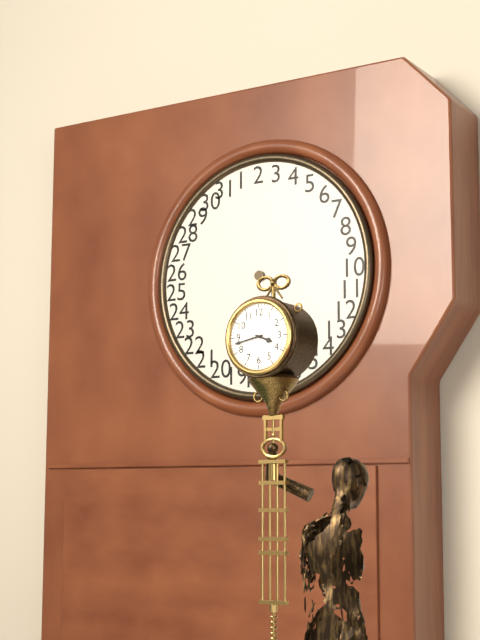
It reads 3:43
